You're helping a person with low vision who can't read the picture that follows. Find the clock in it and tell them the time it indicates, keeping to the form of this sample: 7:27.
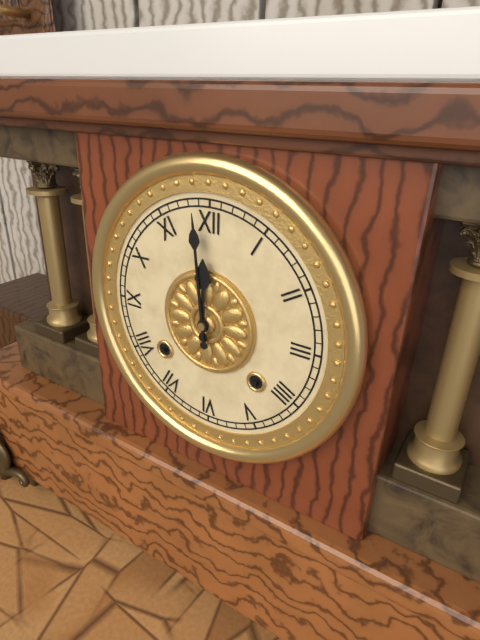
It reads 11:59
